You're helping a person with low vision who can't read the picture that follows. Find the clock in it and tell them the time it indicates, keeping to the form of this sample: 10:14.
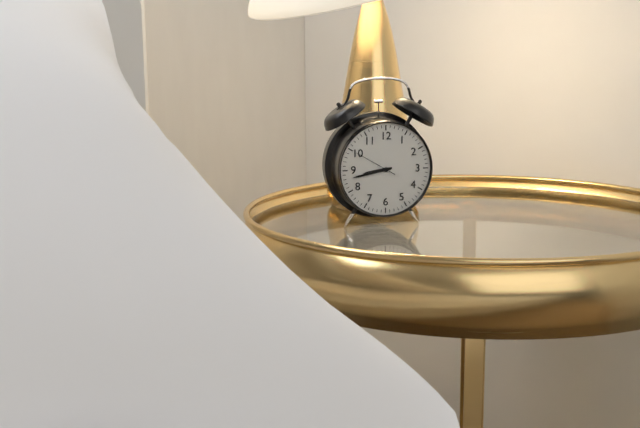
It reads 8:43
